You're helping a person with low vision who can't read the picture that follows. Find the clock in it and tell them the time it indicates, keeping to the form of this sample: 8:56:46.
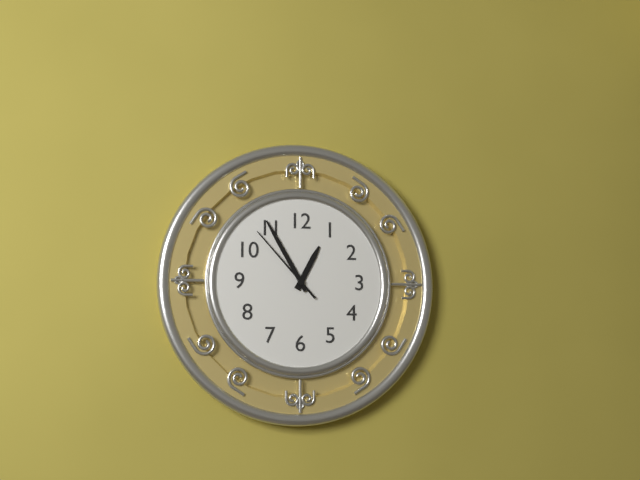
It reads 12:55:53
